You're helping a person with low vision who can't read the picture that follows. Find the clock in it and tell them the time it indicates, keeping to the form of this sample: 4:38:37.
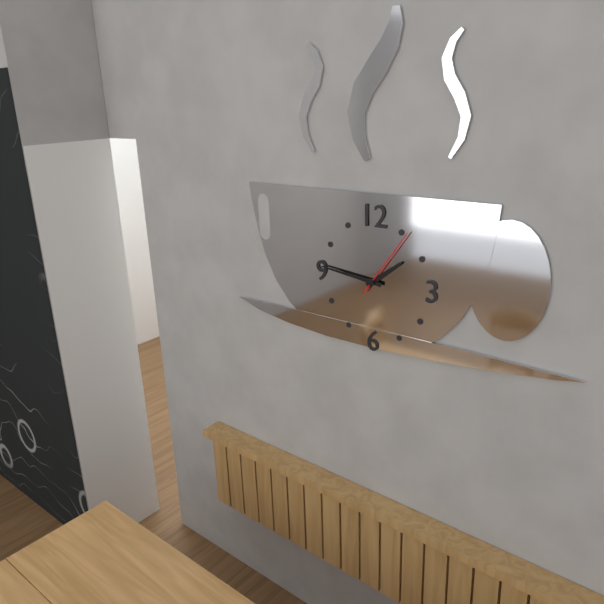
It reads 1:46:06
